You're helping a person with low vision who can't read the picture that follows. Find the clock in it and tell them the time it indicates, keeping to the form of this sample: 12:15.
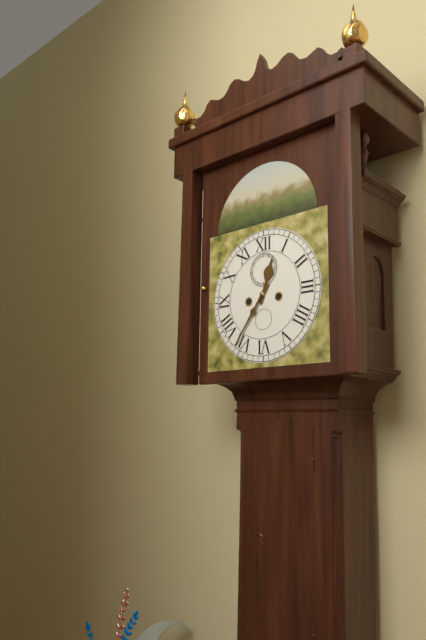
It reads 12:36
